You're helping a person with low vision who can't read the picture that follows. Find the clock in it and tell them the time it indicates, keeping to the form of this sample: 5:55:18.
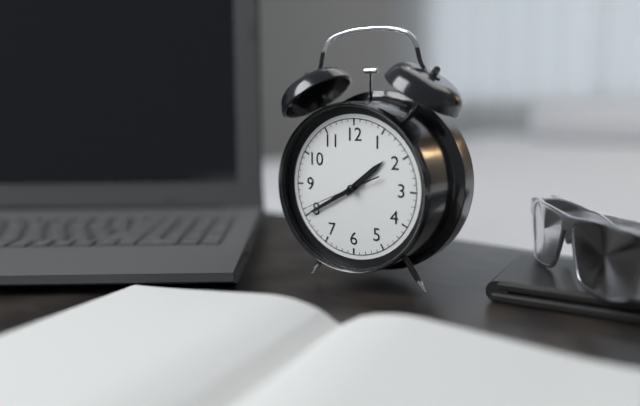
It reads 1:40:41
